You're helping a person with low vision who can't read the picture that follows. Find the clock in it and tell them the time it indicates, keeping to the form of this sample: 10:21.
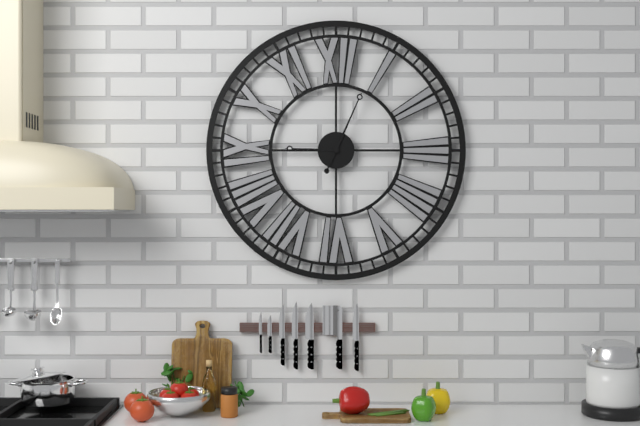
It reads 9:04
